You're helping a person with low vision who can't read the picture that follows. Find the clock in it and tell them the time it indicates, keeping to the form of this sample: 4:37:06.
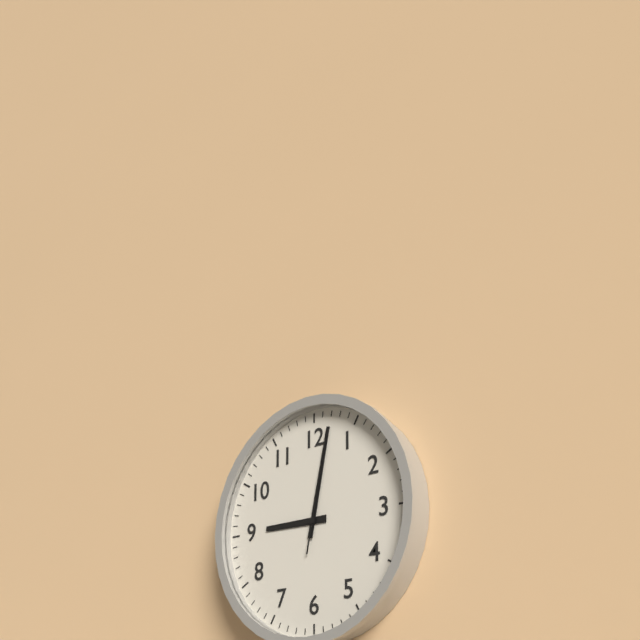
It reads 9:02:02
